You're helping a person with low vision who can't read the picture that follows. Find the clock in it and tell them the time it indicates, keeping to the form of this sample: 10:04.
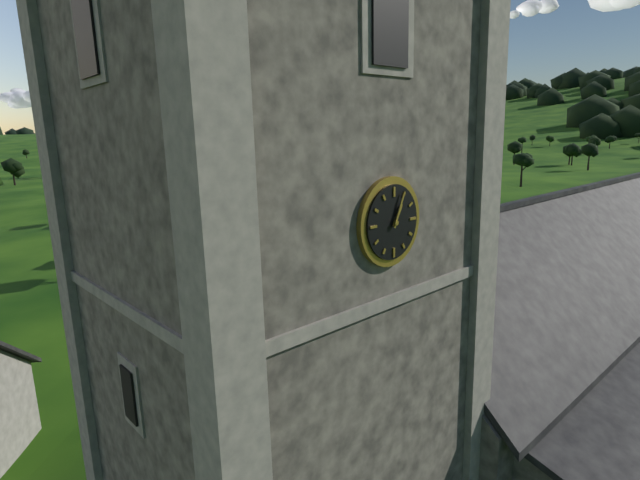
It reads 1:04
